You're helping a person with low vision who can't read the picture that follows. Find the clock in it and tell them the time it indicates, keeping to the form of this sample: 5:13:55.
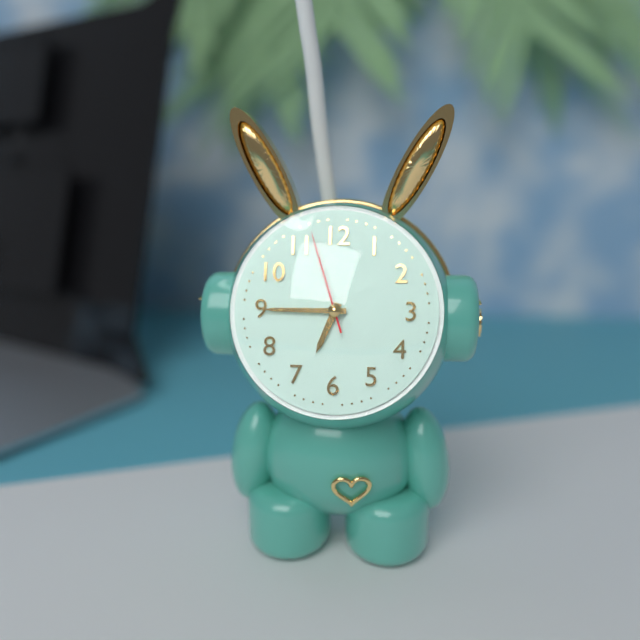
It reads 6:45:57
